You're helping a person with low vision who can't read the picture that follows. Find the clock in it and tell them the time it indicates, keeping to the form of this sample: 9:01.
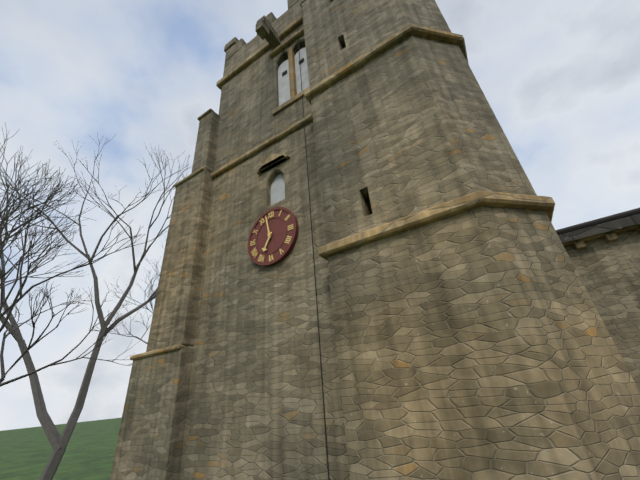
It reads 6:58
